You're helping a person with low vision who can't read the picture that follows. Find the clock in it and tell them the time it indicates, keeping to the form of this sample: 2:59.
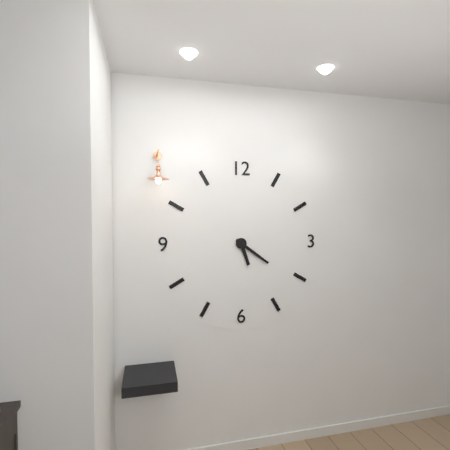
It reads 5:21
